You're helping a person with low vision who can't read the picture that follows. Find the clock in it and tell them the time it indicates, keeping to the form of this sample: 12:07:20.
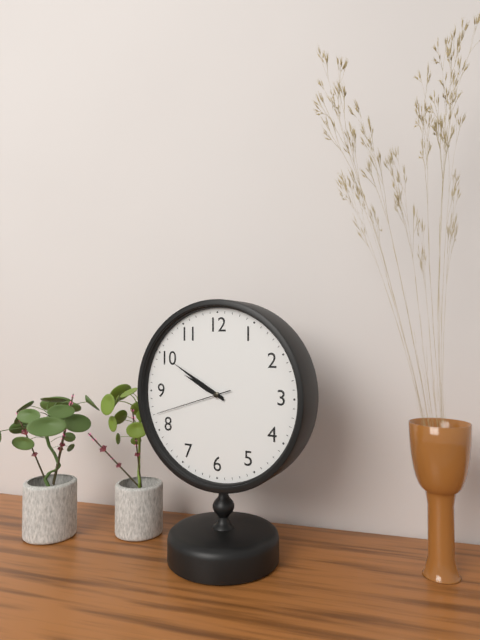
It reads 9:50:42
